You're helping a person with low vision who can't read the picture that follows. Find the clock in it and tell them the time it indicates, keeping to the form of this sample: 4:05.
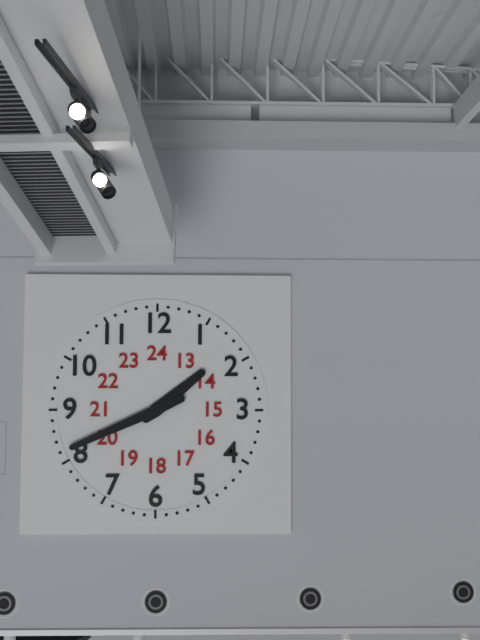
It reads 1:41
